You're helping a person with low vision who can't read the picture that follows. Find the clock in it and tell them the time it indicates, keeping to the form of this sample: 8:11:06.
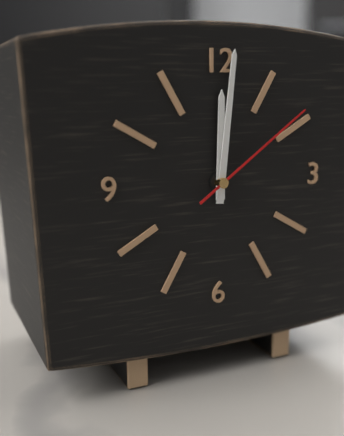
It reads 12:01:09
